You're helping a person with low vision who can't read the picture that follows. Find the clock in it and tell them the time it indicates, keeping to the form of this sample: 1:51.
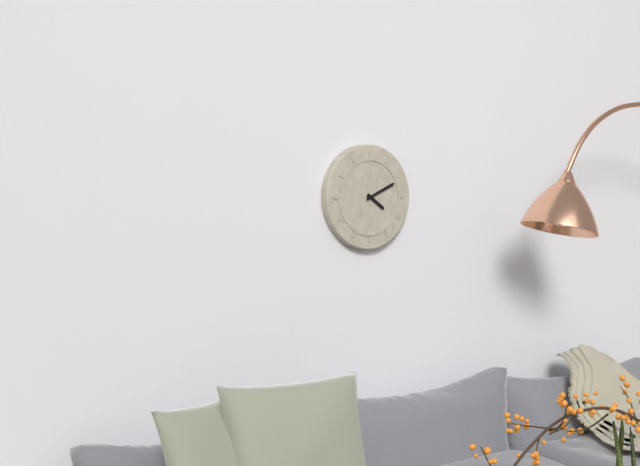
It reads 4:11
